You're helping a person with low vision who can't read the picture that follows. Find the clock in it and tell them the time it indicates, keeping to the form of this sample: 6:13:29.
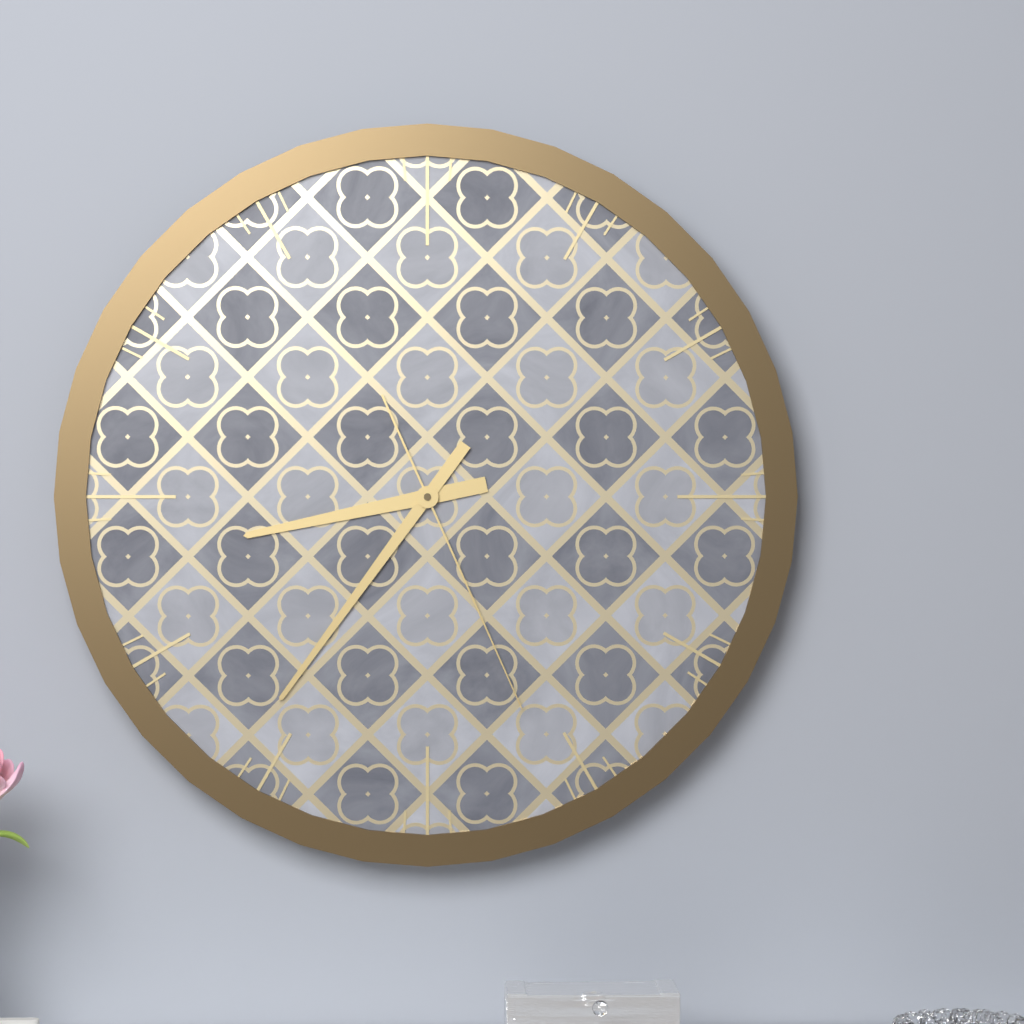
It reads 8:36:26
